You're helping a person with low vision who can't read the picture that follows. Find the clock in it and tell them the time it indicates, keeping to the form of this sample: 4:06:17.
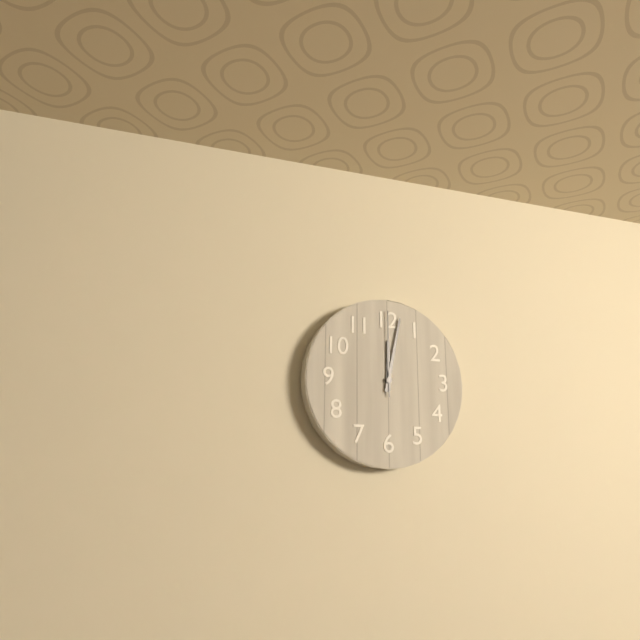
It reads 12:02:00
